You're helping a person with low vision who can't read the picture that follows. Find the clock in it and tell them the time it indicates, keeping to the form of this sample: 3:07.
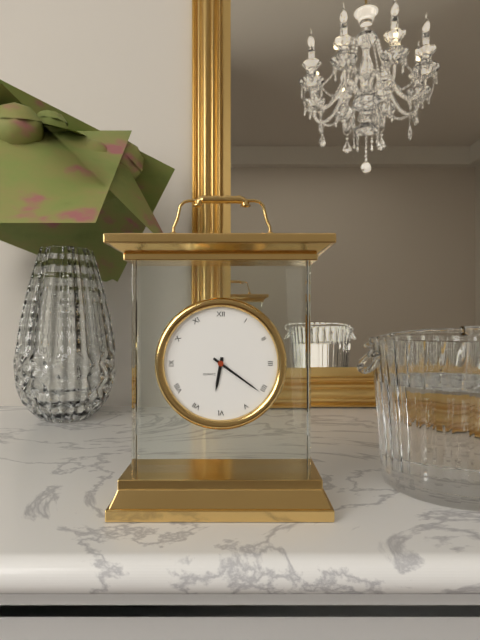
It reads 6:21
